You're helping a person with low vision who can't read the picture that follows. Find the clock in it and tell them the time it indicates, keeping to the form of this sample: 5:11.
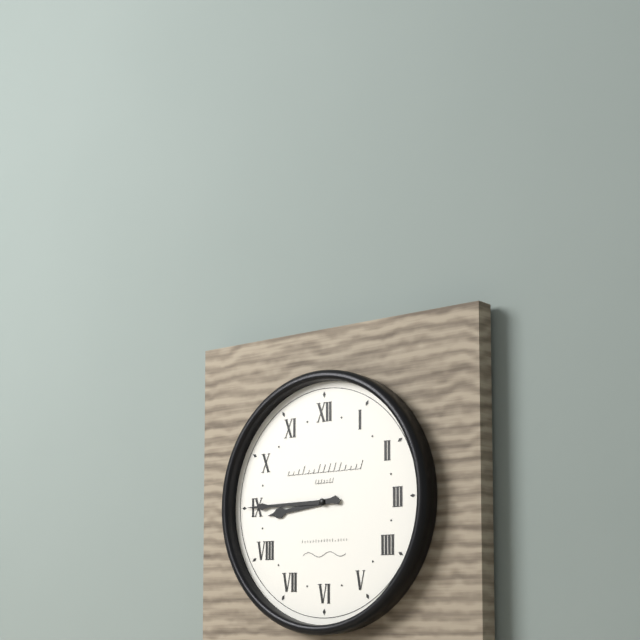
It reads 8:45
